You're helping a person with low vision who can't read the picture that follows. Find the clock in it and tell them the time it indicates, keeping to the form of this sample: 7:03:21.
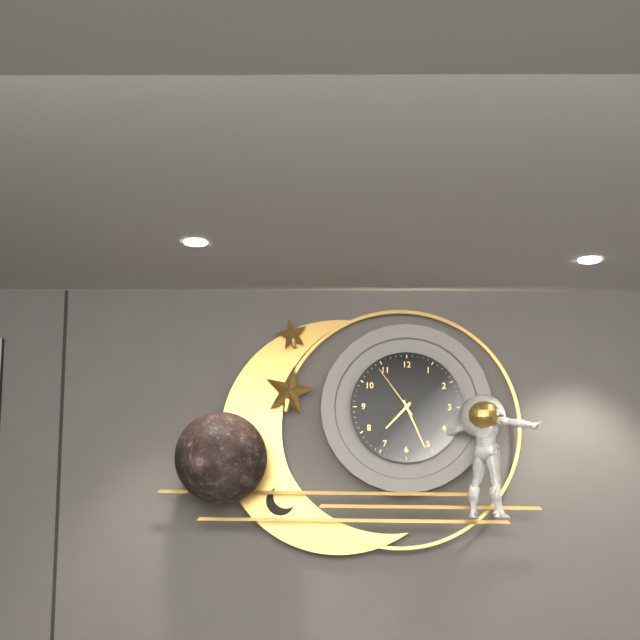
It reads 7:26:54
